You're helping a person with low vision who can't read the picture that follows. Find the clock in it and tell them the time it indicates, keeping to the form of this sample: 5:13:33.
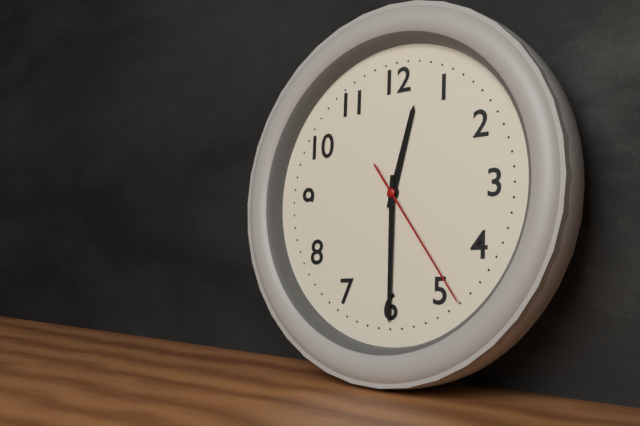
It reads 12:30:24
